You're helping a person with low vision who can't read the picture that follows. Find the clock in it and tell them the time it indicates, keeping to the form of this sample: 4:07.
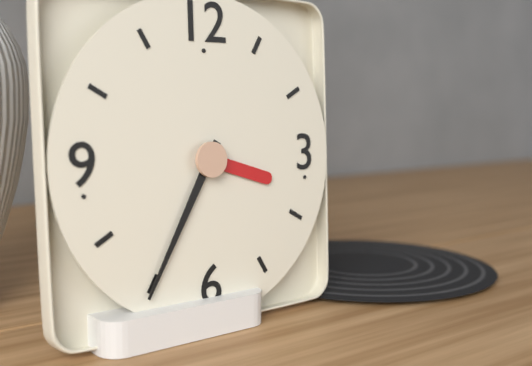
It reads 3:35
